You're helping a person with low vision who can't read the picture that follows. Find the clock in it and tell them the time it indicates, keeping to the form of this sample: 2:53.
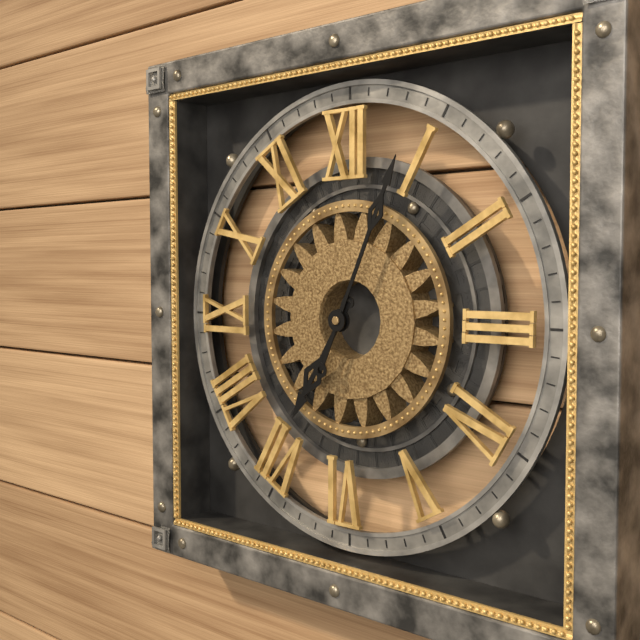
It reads 7:04
